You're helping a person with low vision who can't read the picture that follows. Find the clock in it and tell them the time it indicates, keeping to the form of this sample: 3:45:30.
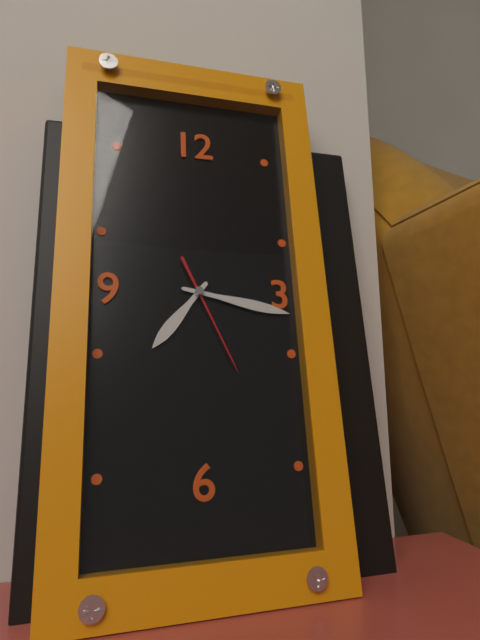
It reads 7:17:26
